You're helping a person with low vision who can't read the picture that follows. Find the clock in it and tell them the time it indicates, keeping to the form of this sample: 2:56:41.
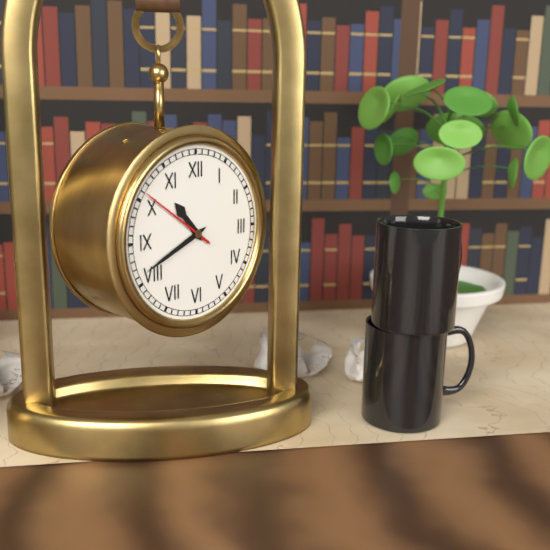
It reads 10:41:51
